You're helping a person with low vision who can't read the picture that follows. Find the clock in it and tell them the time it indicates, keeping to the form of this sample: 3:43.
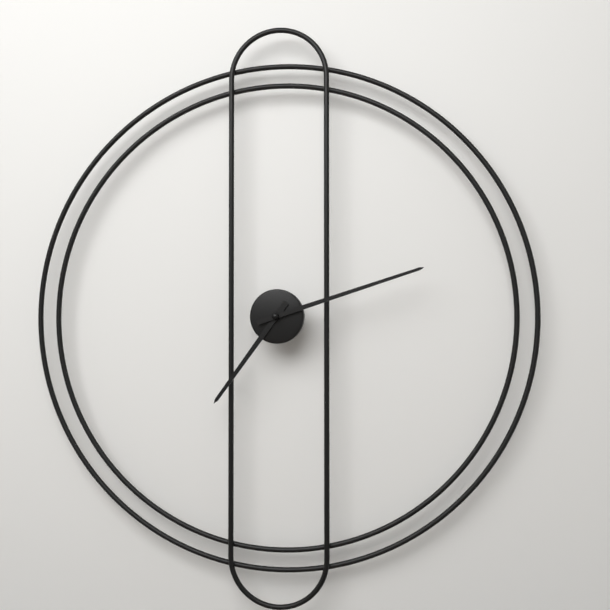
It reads 7:12
